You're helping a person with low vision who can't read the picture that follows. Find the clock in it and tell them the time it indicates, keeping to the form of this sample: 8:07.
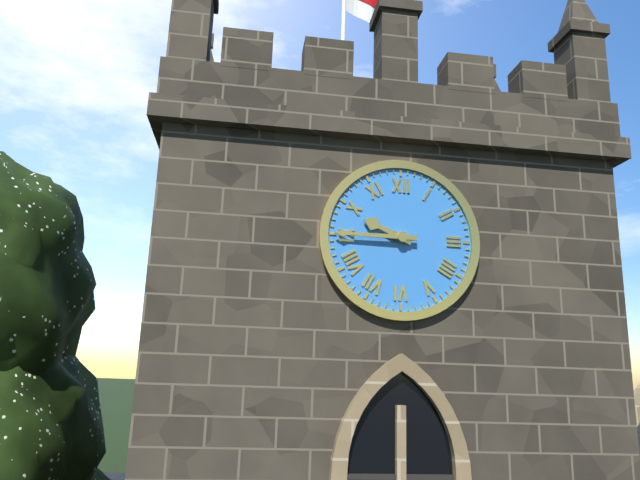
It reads 9:45
